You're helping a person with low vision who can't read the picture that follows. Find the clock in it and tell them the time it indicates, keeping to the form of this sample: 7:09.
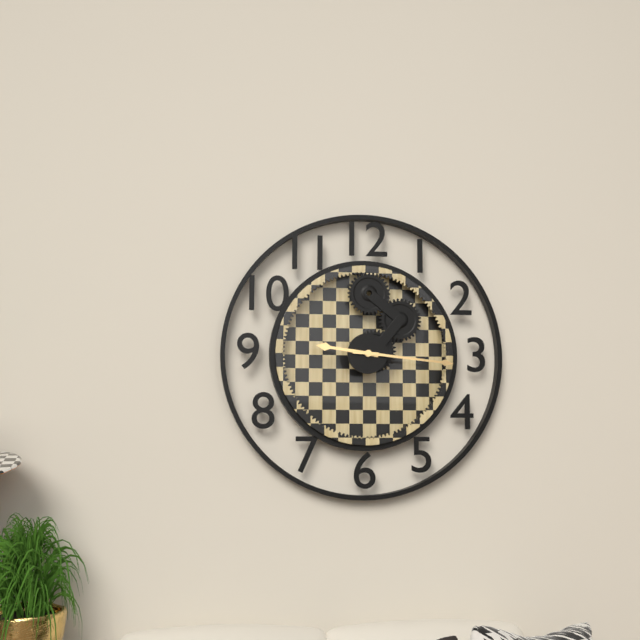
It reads 9:16
